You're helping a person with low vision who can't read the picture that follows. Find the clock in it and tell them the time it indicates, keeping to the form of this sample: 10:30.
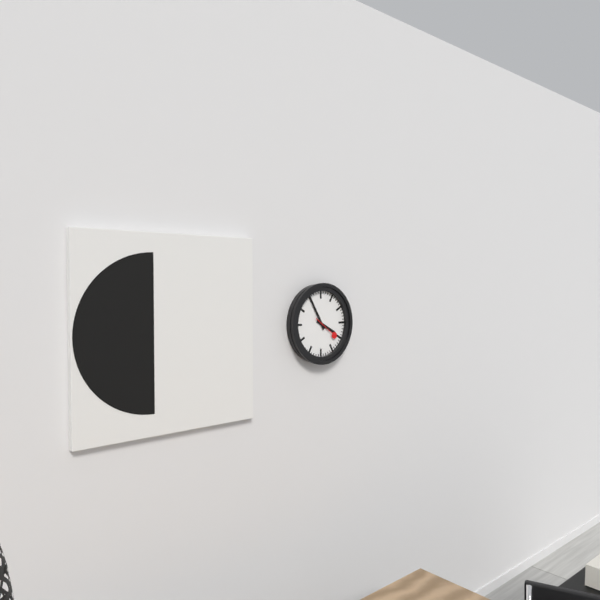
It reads 3:55
